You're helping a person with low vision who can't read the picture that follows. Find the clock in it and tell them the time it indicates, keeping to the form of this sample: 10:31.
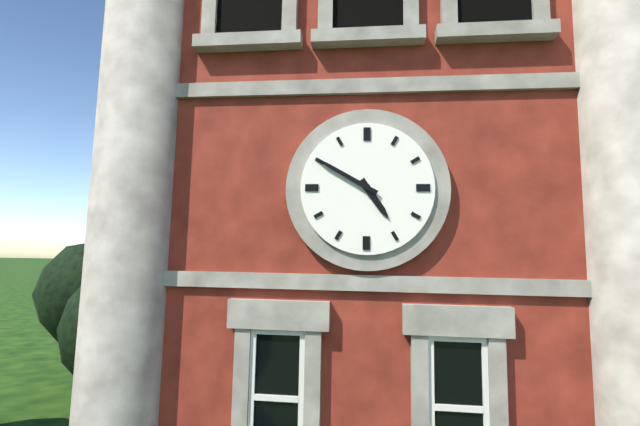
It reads 4:50
